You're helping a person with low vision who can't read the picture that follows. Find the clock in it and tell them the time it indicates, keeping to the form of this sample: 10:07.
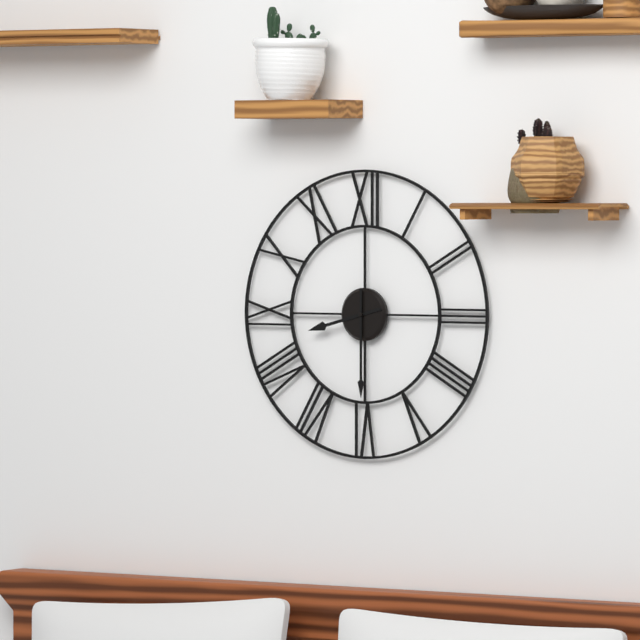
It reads 8:30
